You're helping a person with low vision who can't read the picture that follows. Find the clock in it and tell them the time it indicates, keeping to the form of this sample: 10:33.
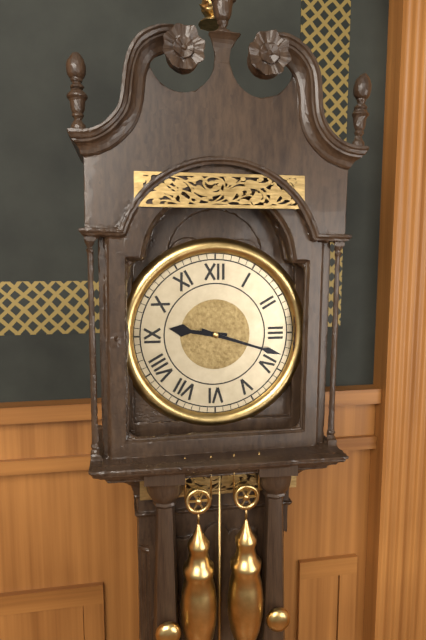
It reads 9:18
